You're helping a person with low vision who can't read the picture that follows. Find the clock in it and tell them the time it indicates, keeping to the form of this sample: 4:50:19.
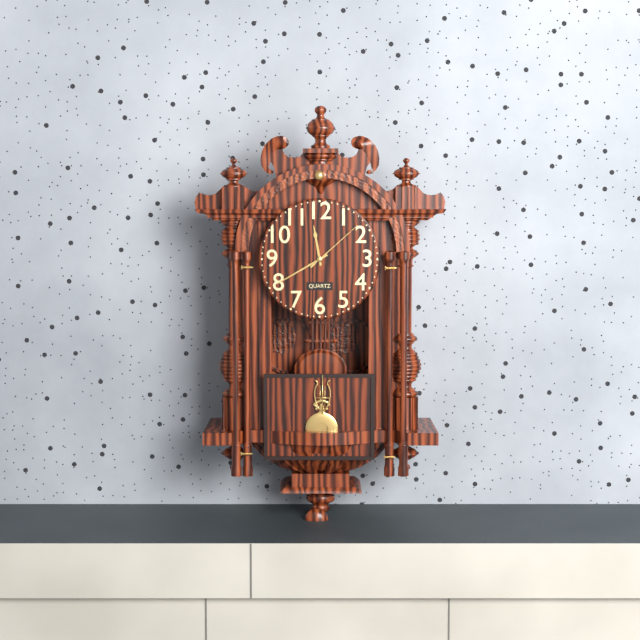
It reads 11:40:08
